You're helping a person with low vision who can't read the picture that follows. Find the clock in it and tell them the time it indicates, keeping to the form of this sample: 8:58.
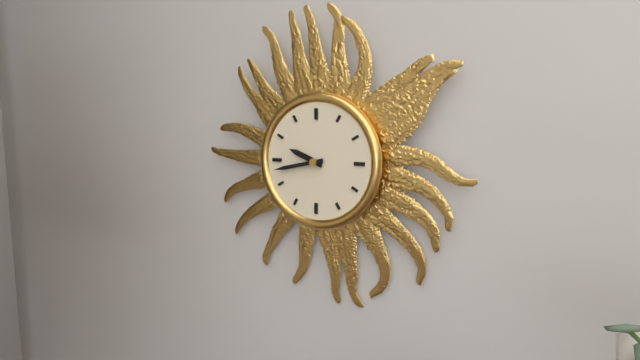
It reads 9:43
